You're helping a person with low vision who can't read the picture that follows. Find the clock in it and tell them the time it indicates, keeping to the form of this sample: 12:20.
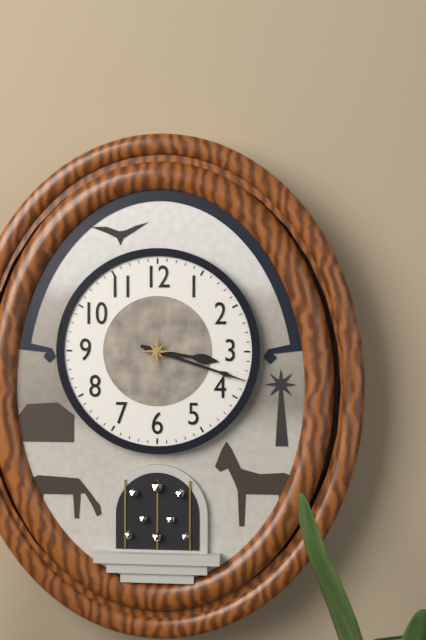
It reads 3:18
